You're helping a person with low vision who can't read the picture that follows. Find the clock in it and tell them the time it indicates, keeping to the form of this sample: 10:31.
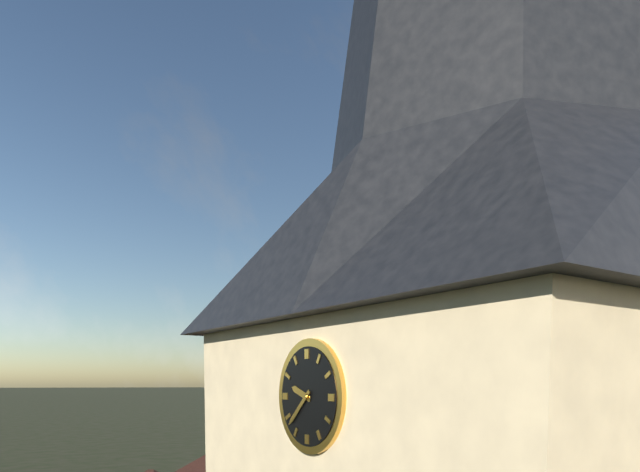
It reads 9:38
